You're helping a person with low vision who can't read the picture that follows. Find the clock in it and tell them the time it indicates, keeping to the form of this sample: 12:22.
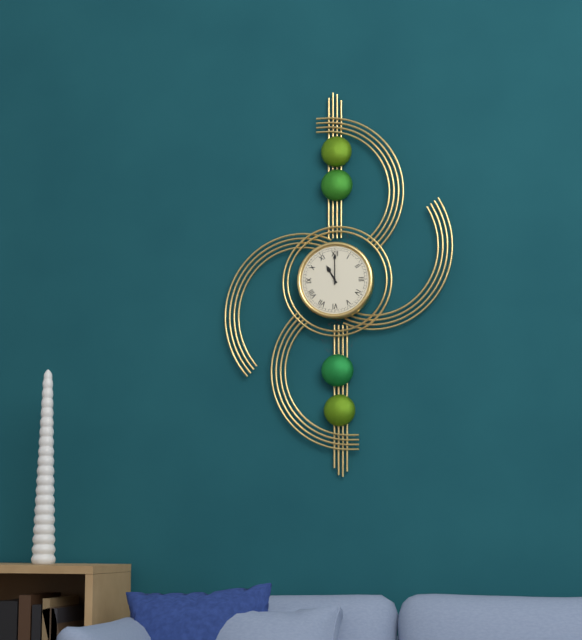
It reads 11:00
